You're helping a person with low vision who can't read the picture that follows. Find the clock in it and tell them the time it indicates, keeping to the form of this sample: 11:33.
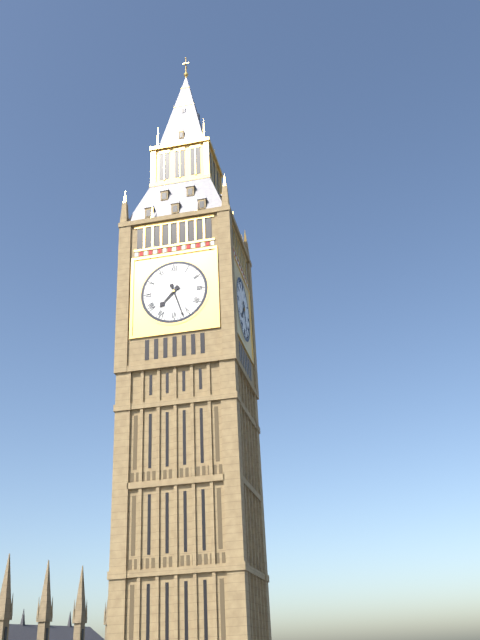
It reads 7:27
